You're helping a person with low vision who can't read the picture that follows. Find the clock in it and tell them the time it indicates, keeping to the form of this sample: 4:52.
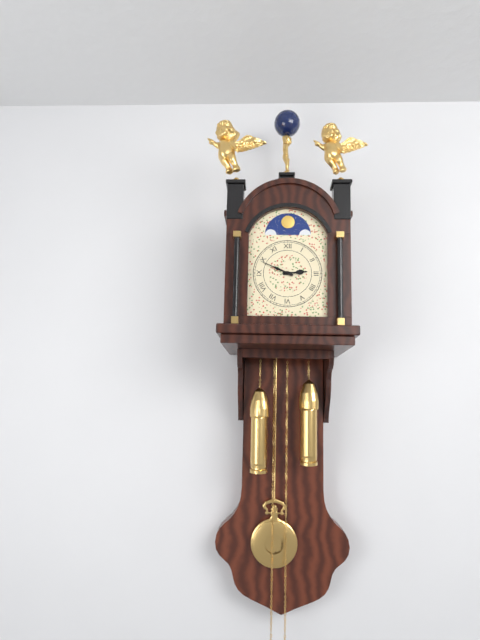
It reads 2:49
